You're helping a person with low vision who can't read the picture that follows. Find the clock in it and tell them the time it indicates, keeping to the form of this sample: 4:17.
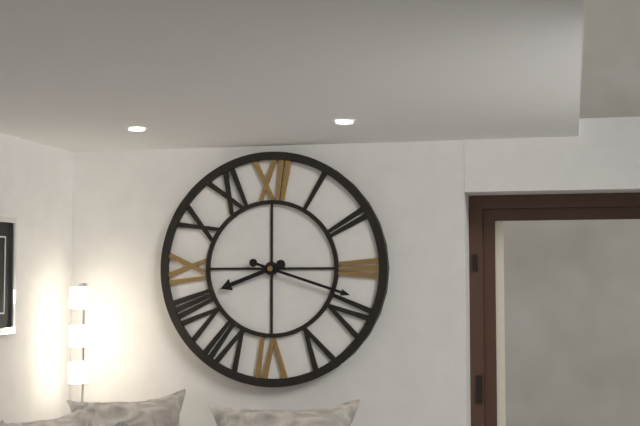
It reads 8:18
